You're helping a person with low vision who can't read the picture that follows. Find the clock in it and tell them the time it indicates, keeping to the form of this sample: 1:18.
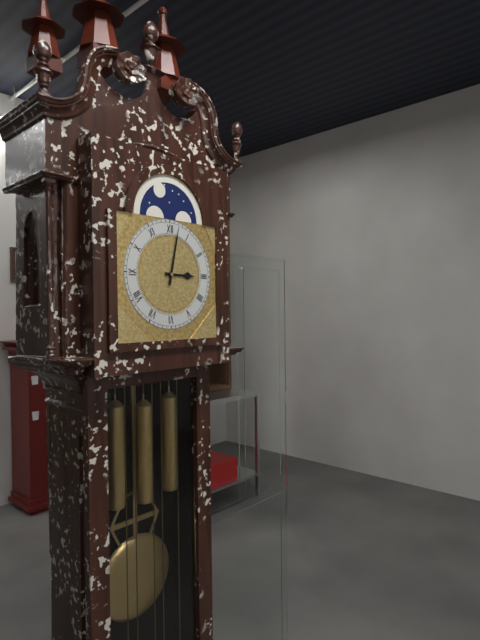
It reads 3:02
